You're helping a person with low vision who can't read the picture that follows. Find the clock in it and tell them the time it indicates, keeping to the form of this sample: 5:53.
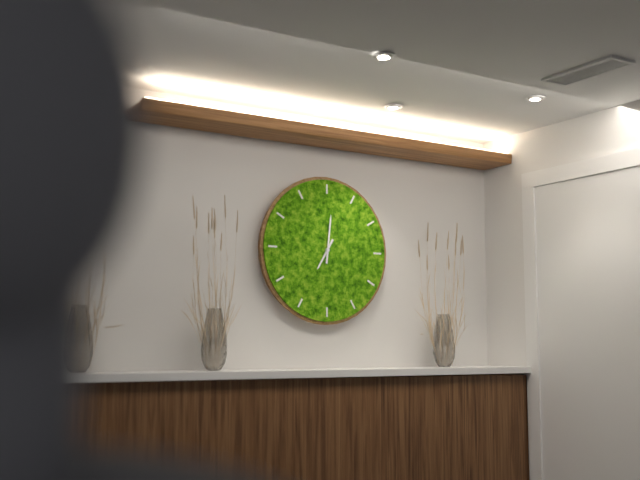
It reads 7:01
